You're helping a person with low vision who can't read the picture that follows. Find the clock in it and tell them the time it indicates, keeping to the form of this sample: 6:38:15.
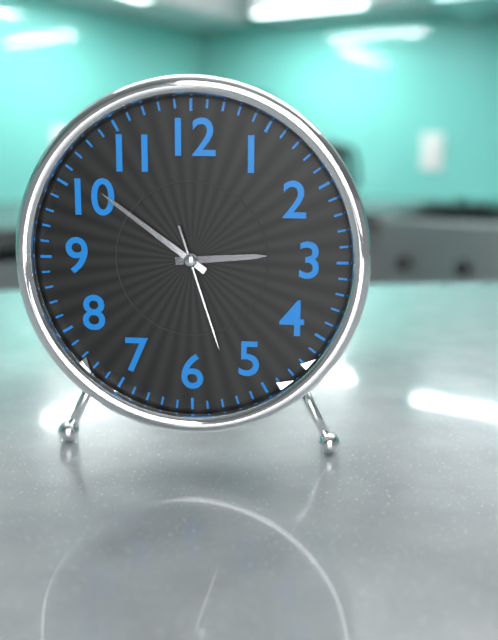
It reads 2:51:27
